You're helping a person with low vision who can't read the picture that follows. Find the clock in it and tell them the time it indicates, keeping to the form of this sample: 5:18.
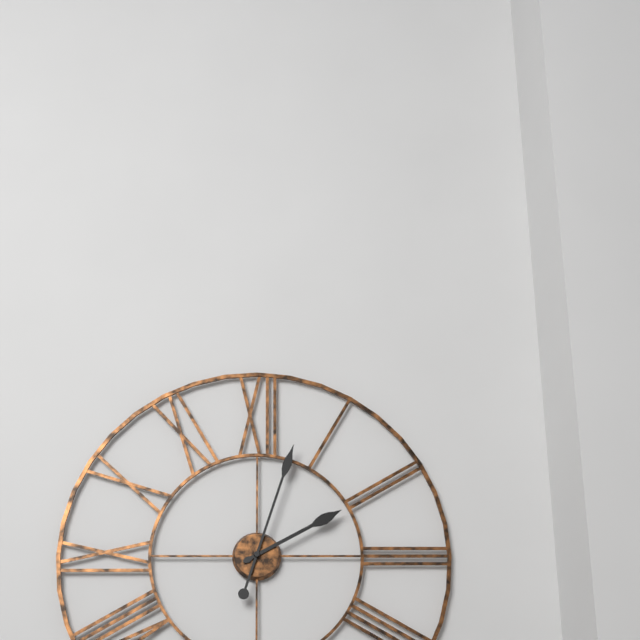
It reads 2:03
